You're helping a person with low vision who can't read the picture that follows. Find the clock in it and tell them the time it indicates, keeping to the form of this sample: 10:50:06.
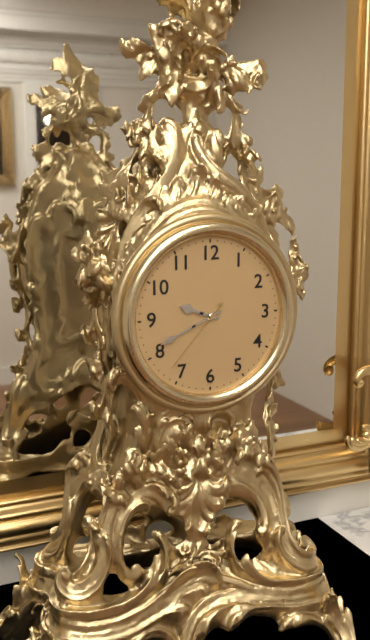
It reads 9:41:37
